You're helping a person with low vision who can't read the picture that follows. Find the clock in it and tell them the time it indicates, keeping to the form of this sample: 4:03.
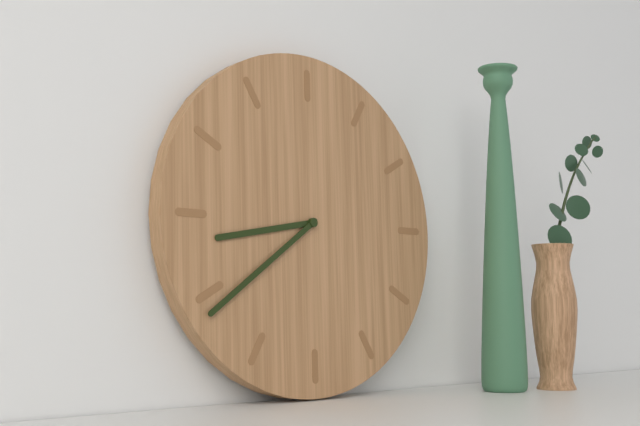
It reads 8:39
